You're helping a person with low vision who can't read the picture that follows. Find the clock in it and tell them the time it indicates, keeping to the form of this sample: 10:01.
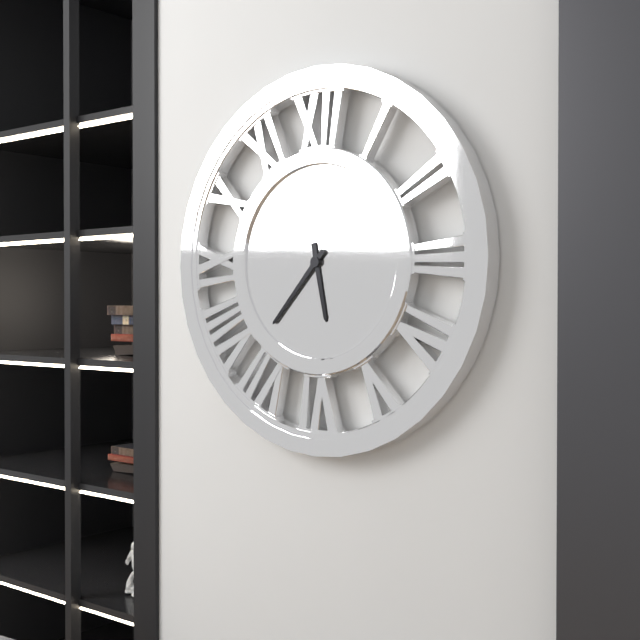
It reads 5:37
